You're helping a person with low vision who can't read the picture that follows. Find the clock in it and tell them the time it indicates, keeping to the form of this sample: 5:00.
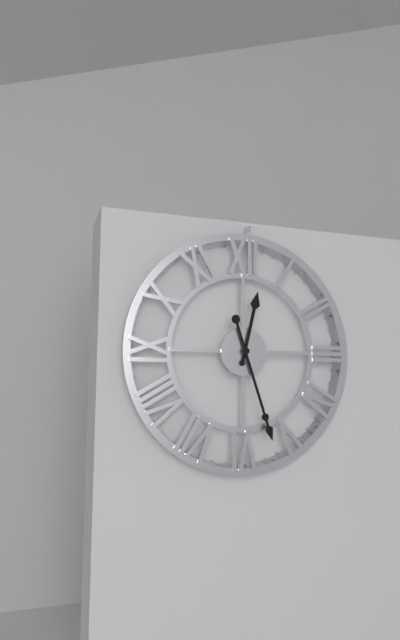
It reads 12:27
